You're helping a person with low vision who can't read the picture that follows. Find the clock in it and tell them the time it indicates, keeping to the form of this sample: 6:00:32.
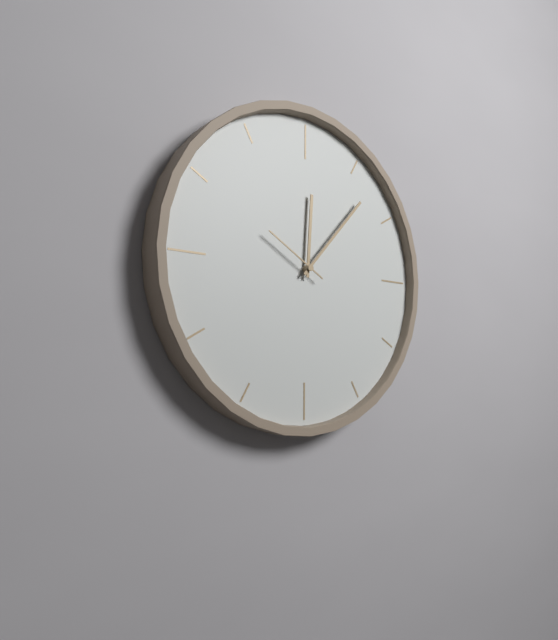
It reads 12:07:50
